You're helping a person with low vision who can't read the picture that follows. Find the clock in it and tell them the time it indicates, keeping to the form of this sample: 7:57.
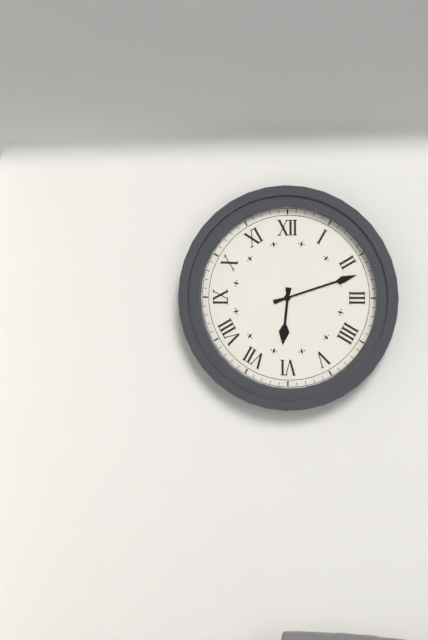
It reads 6:12
